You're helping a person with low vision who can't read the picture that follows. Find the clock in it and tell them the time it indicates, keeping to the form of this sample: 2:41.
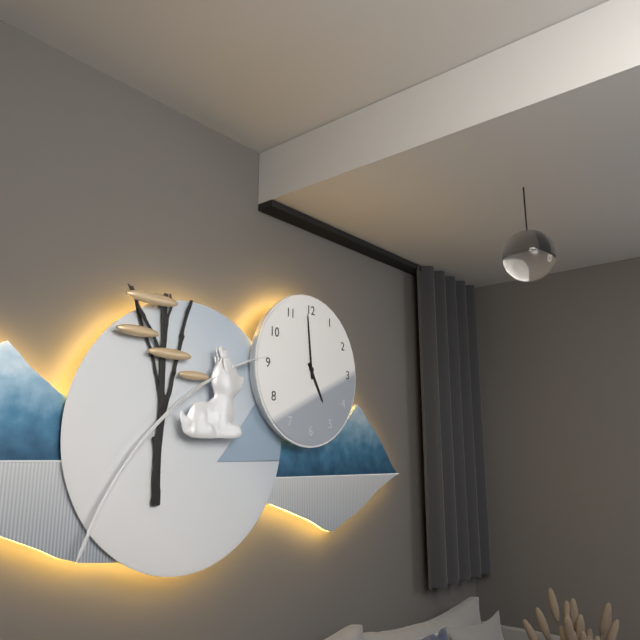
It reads 4:59
